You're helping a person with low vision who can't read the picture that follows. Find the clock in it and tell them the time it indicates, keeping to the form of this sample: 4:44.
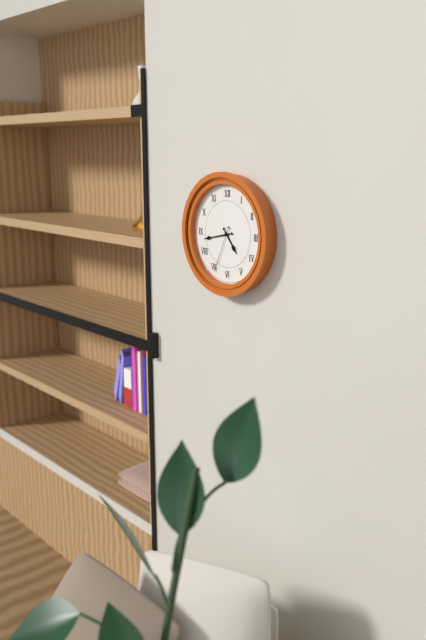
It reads 4:43
